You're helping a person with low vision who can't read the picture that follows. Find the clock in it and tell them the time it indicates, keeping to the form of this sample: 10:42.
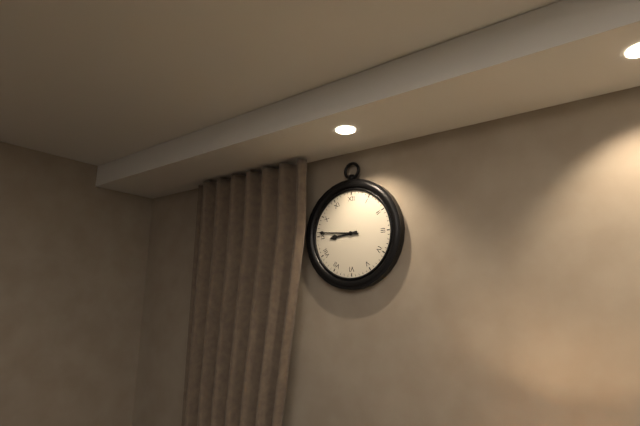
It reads 8:46
